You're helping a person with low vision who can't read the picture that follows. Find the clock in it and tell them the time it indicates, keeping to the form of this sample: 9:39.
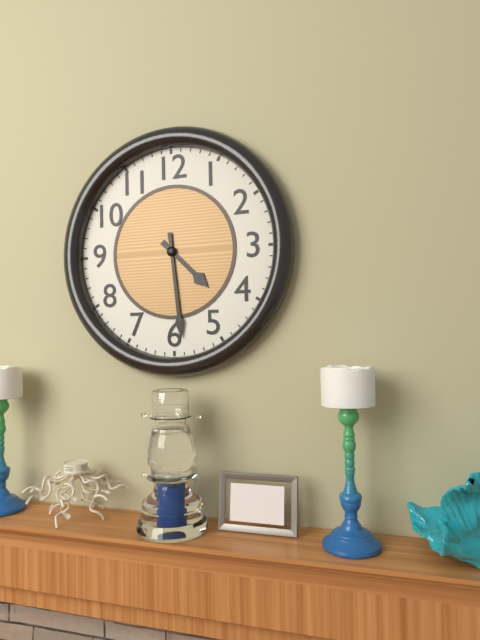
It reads 4:29
